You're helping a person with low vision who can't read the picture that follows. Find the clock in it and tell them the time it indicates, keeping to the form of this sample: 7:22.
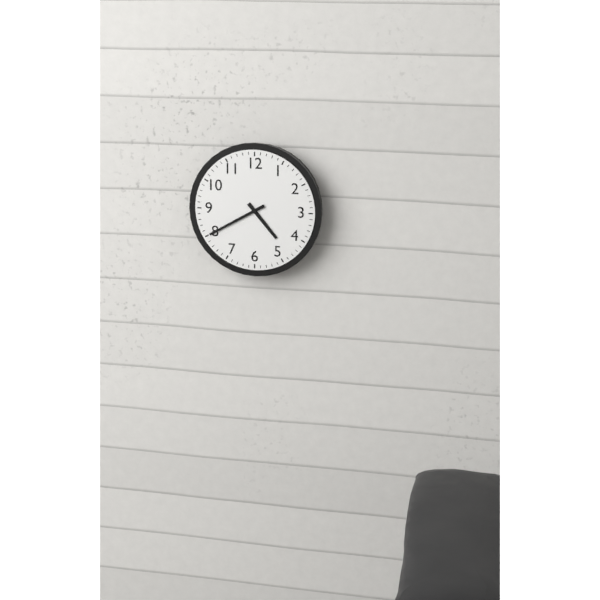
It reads 4:40
